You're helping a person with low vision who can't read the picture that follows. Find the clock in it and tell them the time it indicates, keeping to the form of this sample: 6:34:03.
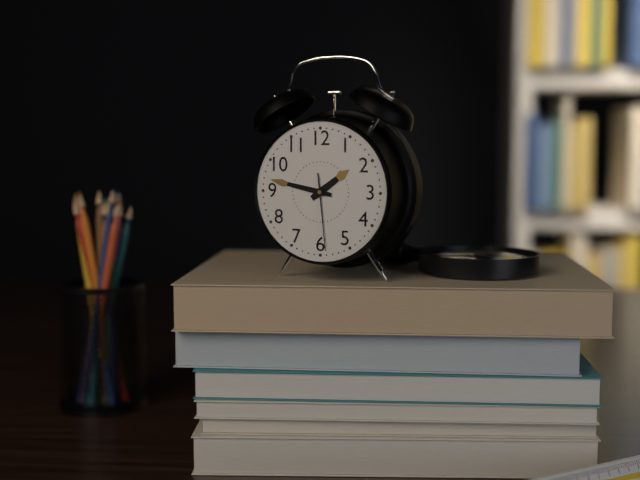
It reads 1:47:29
